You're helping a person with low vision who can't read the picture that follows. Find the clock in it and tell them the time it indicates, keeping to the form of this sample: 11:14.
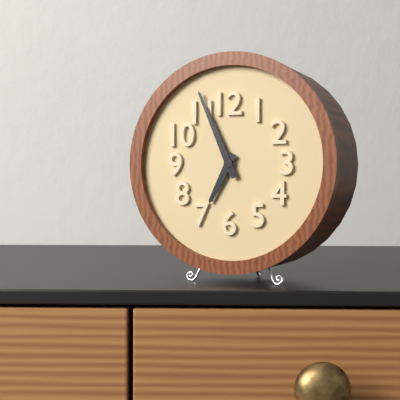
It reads 6:56
